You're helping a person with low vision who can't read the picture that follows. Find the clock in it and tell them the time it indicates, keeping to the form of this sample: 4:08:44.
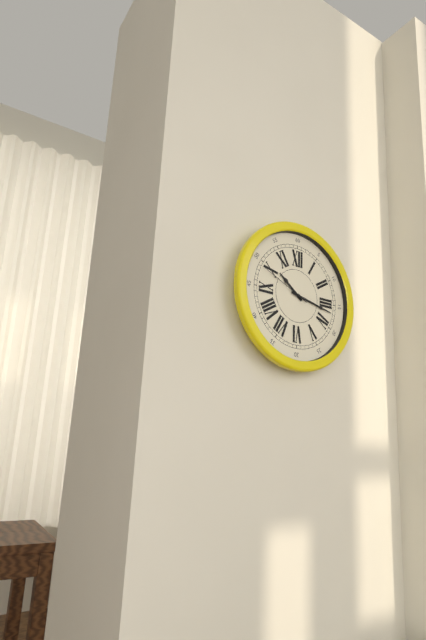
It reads 10:17:49
